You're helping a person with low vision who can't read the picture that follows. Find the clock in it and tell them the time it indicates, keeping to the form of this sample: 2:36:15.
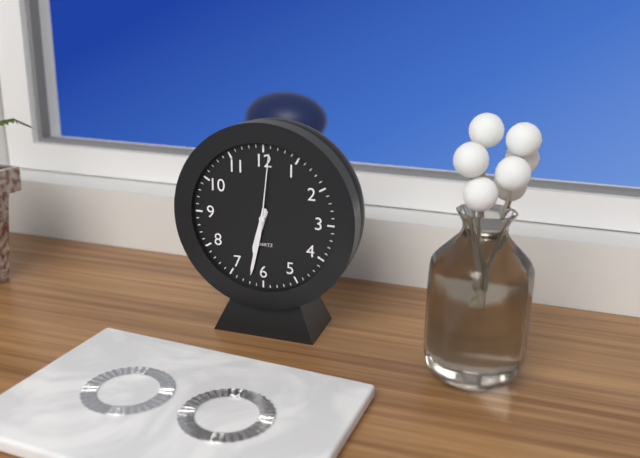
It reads 6:32:01
